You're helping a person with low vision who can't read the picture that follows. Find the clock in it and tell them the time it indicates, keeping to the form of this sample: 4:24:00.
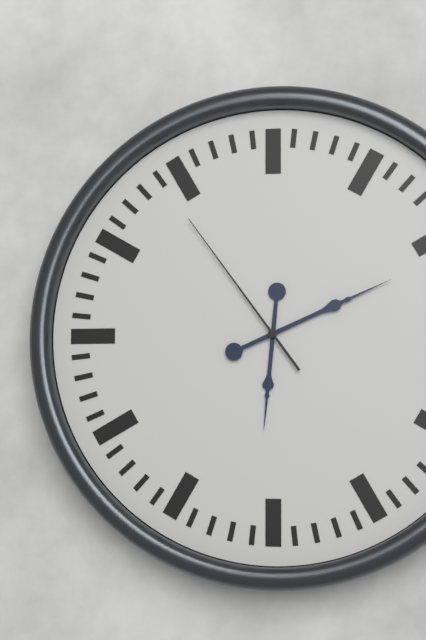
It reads 6:11:54
